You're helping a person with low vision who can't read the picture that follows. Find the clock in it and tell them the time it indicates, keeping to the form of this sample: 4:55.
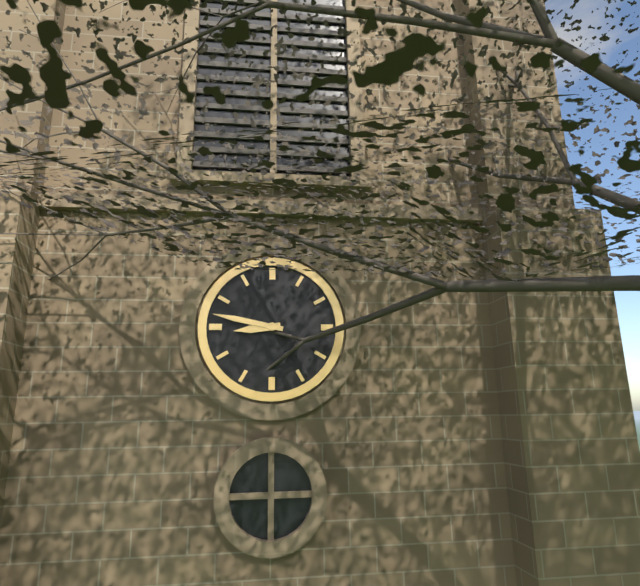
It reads 8:47
